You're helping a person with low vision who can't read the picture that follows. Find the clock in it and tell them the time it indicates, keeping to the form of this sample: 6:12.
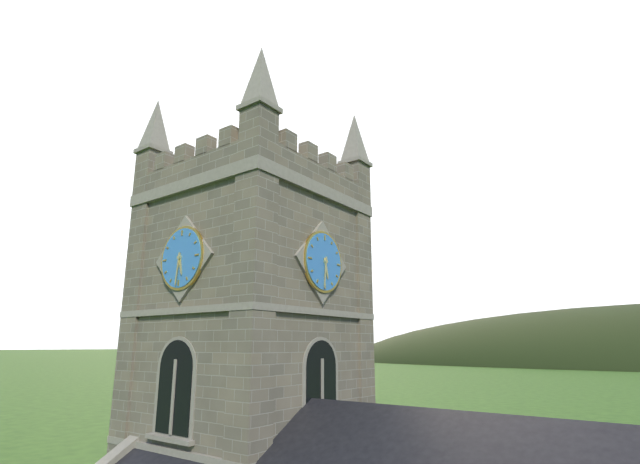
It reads 5:31
